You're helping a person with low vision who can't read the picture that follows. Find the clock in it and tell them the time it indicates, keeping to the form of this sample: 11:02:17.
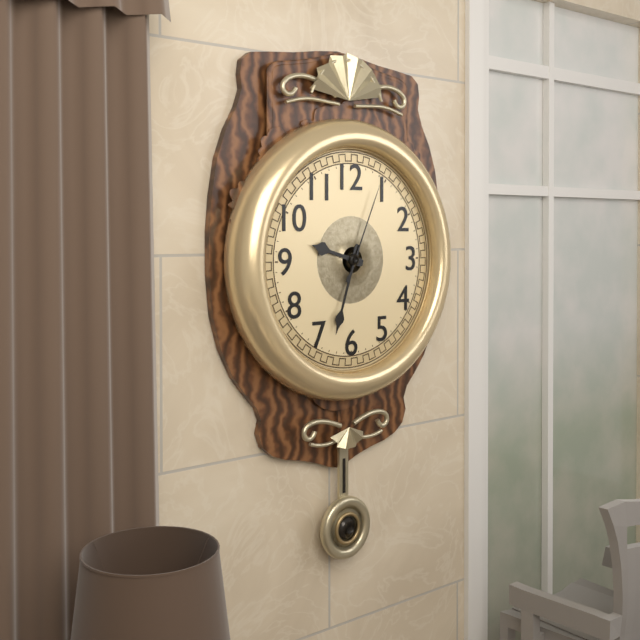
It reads 9:33:04
